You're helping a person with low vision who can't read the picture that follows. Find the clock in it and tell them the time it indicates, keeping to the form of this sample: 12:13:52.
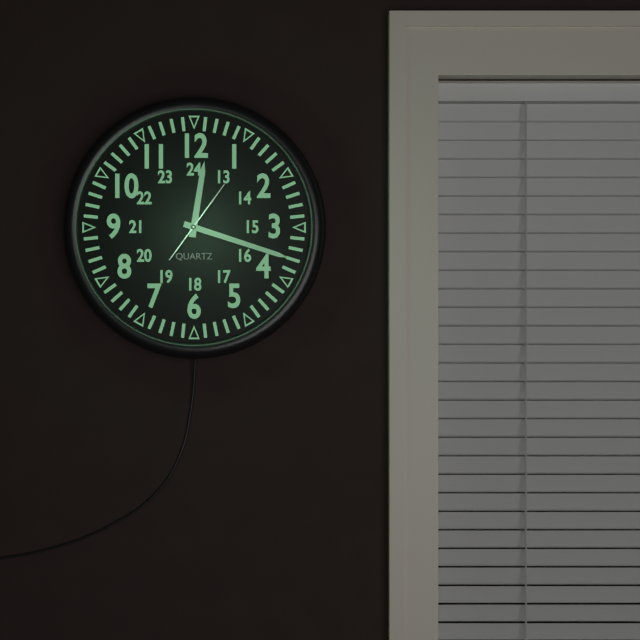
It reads 12:18:06
